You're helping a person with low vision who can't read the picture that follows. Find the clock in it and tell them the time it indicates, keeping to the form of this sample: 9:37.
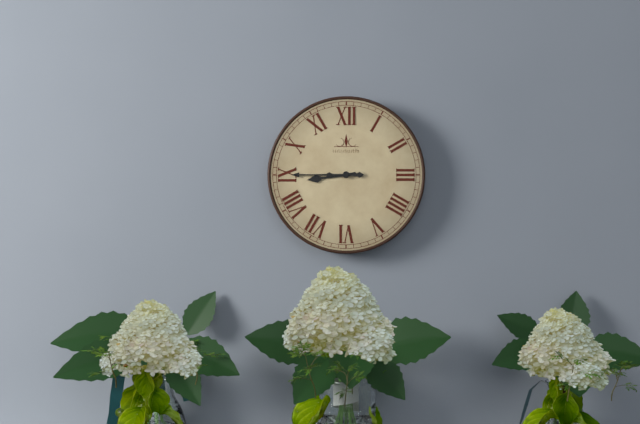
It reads 8:45
